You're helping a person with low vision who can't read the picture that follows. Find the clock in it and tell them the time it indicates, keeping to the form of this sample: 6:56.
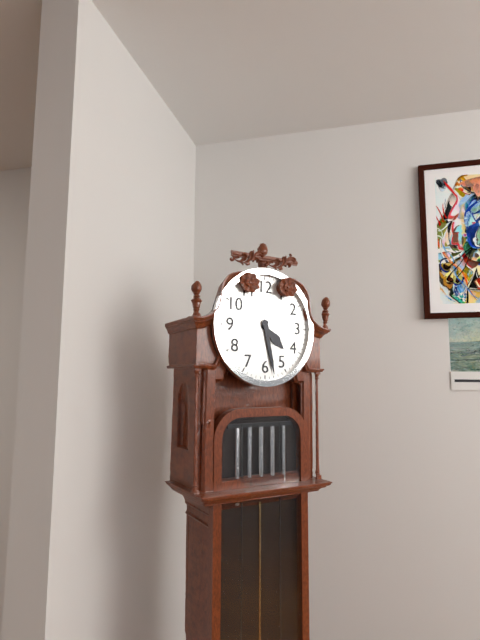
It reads 4:28
